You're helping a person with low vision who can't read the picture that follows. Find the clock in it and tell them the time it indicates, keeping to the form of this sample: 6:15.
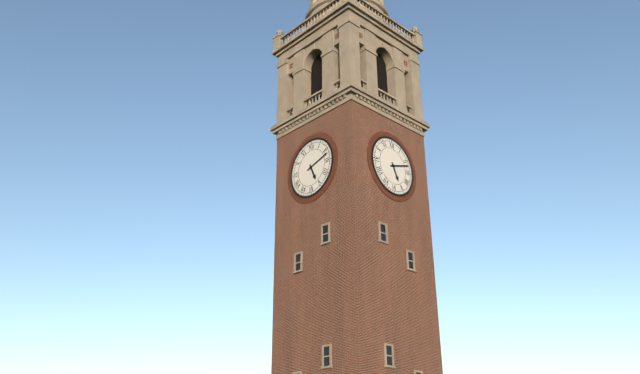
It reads 5:12
